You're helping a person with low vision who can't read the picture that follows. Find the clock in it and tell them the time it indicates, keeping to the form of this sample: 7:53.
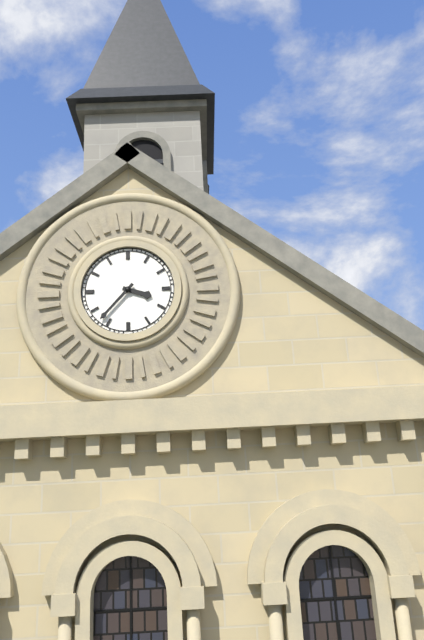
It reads 3:37
